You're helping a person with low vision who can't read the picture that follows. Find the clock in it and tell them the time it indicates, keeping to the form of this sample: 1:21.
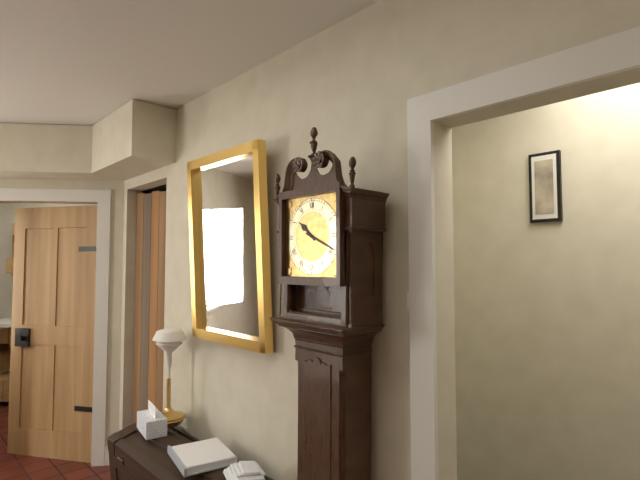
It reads 10:19
